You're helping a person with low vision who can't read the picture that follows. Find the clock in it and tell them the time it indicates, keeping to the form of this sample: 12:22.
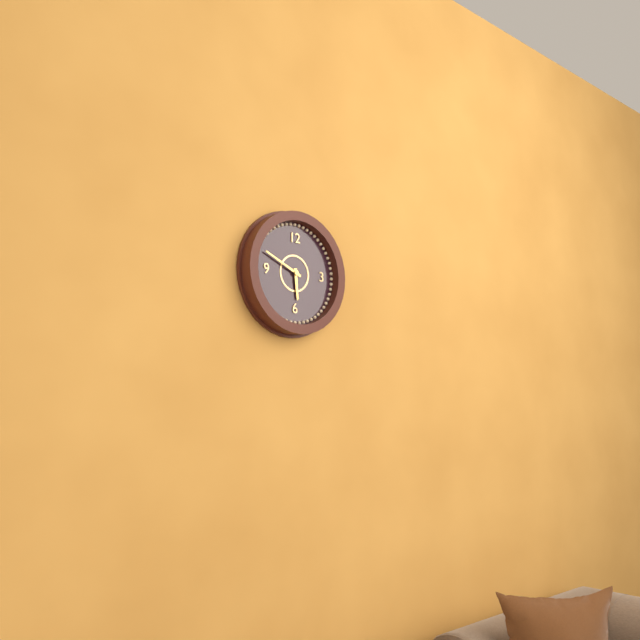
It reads 5:49
